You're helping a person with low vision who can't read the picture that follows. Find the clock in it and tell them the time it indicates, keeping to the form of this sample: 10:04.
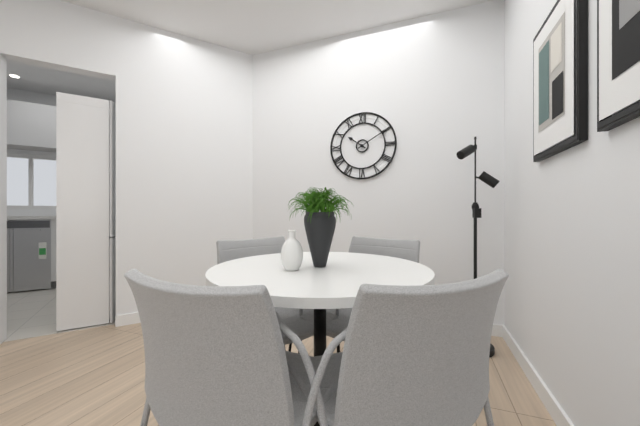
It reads 10:10
